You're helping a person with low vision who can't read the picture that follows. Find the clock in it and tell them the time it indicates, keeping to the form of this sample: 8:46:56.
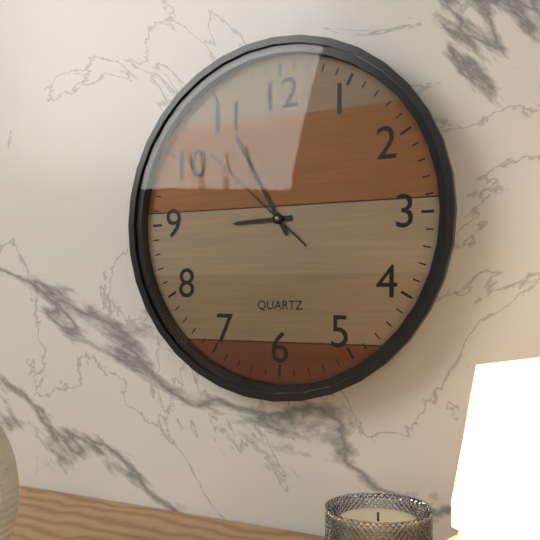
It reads 8:55:52
